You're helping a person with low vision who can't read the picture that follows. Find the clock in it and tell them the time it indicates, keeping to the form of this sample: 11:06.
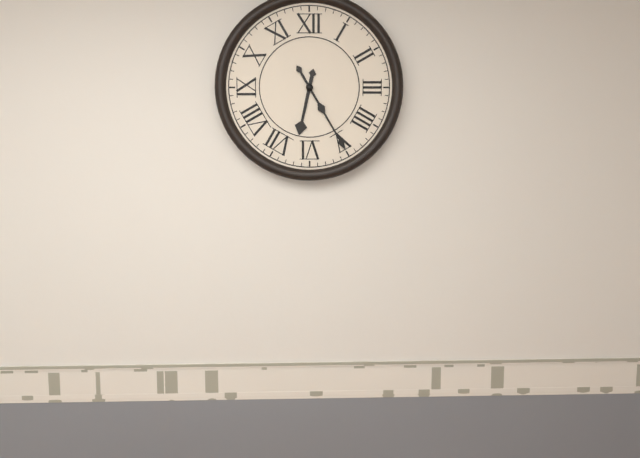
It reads 6:25
